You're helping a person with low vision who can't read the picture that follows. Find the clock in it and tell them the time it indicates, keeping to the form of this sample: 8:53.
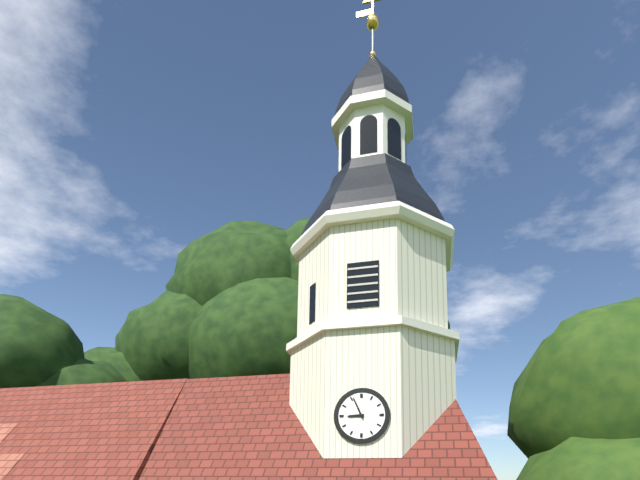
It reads 8:56
